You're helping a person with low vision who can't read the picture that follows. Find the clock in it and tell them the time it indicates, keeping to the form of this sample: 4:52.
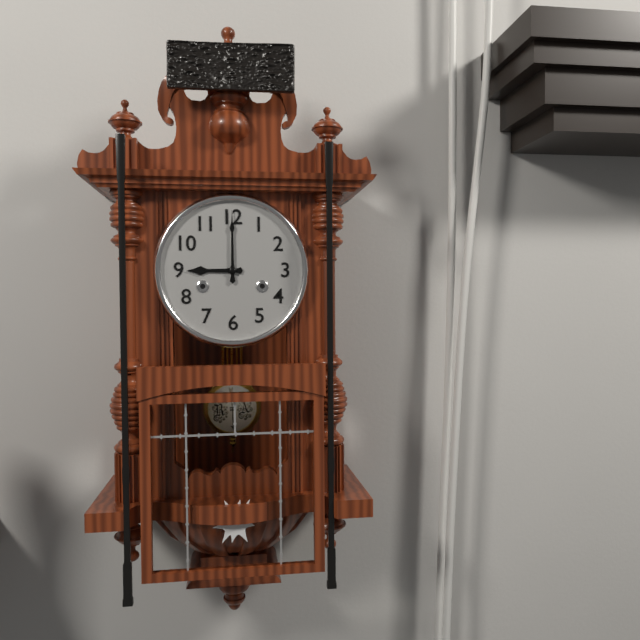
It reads 9:00
